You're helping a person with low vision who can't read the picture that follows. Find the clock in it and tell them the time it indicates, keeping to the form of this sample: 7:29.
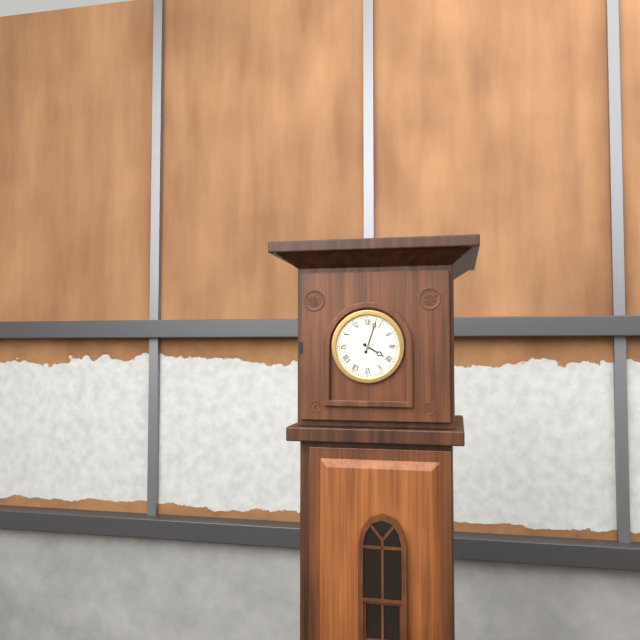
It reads 4:03
